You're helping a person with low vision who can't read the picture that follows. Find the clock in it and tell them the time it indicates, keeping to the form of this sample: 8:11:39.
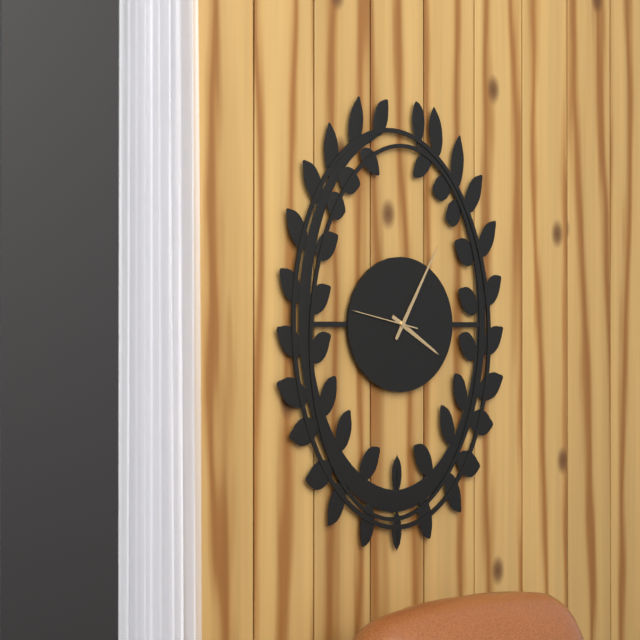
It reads 4:05:47
